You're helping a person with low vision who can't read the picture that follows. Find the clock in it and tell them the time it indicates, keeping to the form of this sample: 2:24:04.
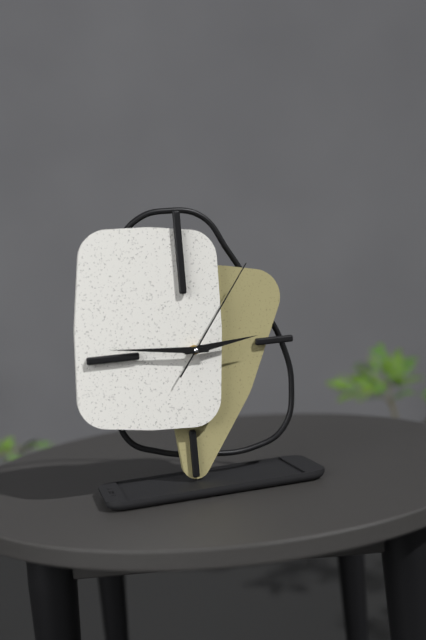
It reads 2:46:06
